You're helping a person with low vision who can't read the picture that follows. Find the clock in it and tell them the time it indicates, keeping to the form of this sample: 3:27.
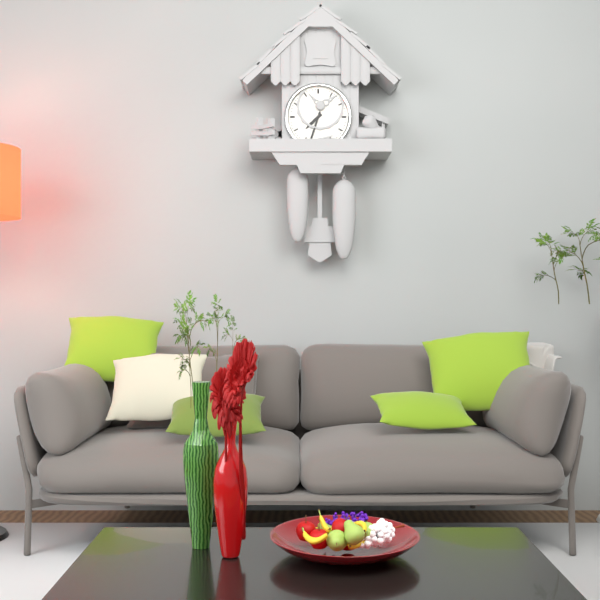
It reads 7:33
